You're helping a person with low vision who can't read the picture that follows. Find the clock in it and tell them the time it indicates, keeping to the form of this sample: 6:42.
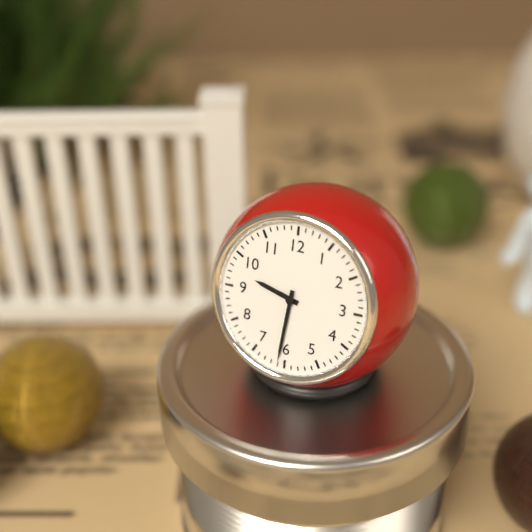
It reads 9:31
